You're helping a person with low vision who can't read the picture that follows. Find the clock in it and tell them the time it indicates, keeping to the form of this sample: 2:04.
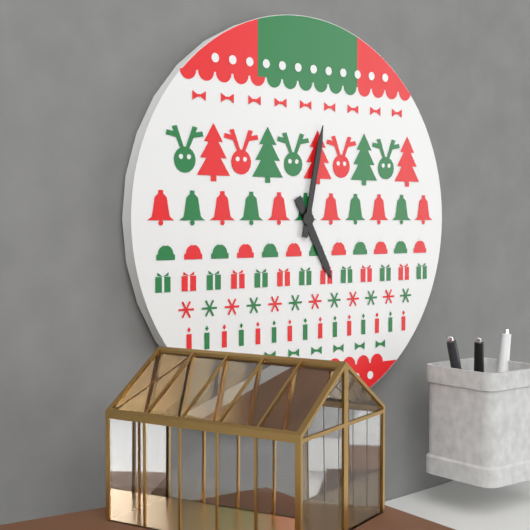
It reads 5:02
